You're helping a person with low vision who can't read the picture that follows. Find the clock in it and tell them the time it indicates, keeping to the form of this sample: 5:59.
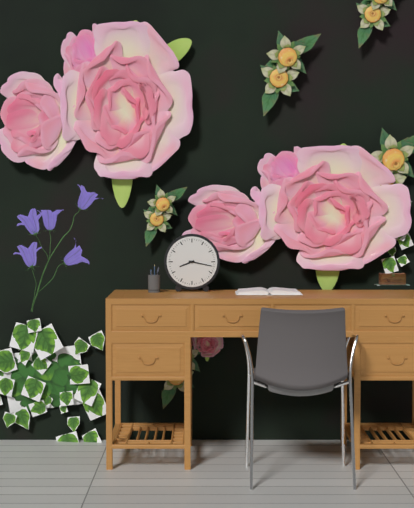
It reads 8:17
